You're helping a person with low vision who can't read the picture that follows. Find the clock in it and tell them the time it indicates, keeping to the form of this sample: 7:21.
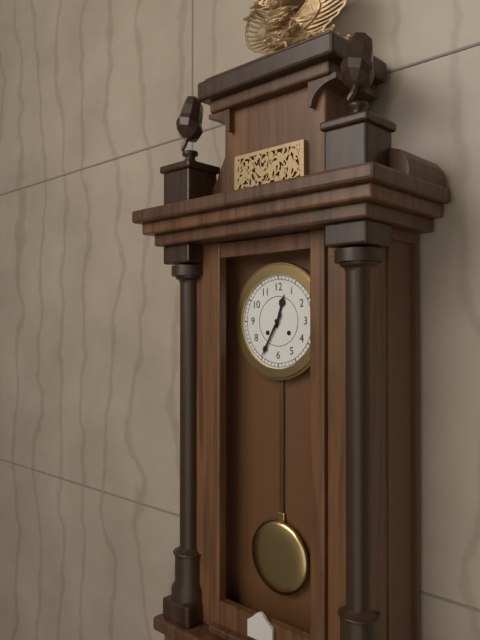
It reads 12:35
